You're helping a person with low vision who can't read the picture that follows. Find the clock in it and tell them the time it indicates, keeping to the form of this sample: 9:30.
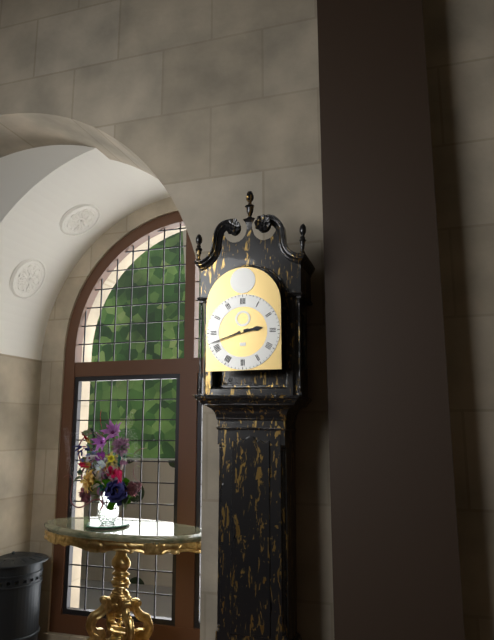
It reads 2:42
